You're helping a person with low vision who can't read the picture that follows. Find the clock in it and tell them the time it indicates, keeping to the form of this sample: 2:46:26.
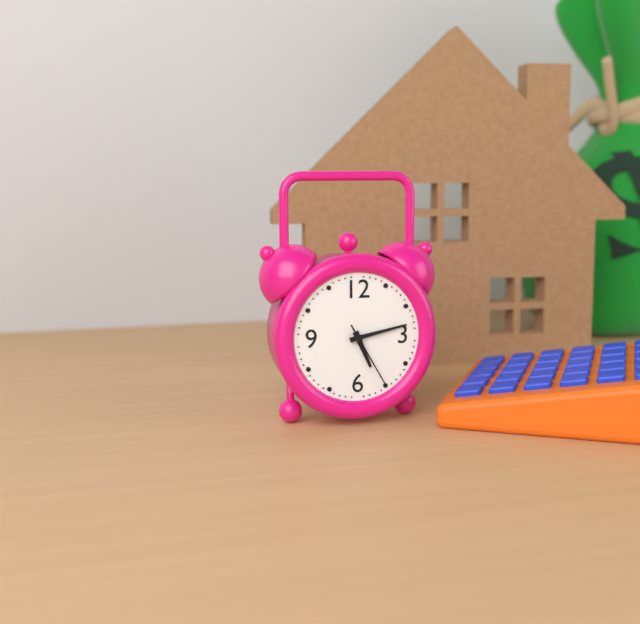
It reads 5:13:25
